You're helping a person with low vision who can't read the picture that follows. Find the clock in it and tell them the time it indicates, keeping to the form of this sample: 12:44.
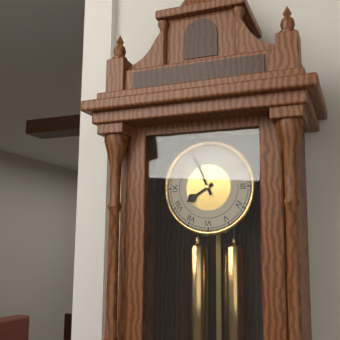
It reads 7:56
